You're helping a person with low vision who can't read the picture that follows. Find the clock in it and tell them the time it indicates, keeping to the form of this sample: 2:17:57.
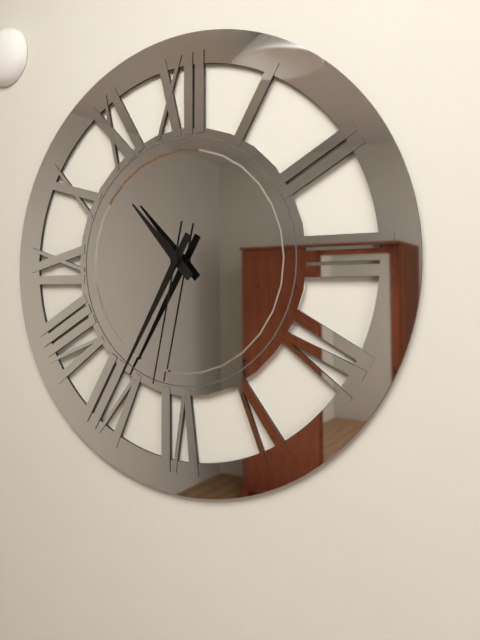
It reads 10:35:32
